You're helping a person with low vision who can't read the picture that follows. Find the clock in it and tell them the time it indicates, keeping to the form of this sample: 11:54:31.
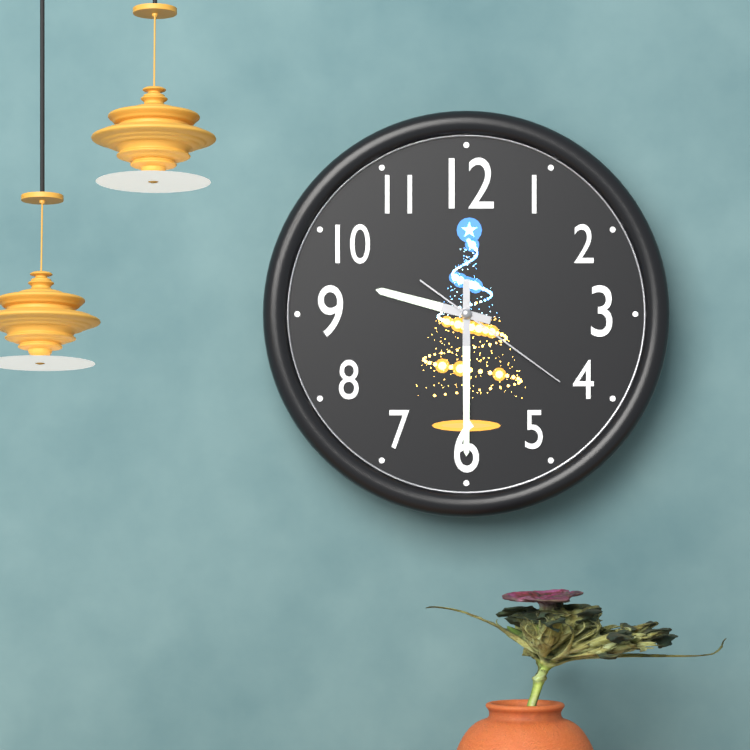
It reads 9:30:21
